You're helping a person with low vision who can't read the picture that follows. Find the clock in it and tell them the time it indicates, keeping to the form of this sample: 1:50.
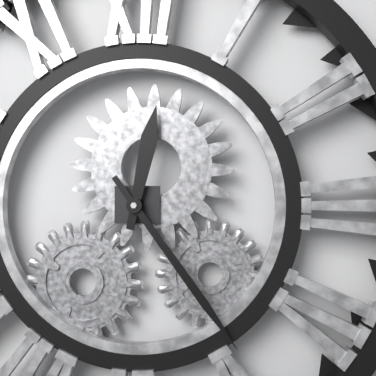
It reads 12:24
